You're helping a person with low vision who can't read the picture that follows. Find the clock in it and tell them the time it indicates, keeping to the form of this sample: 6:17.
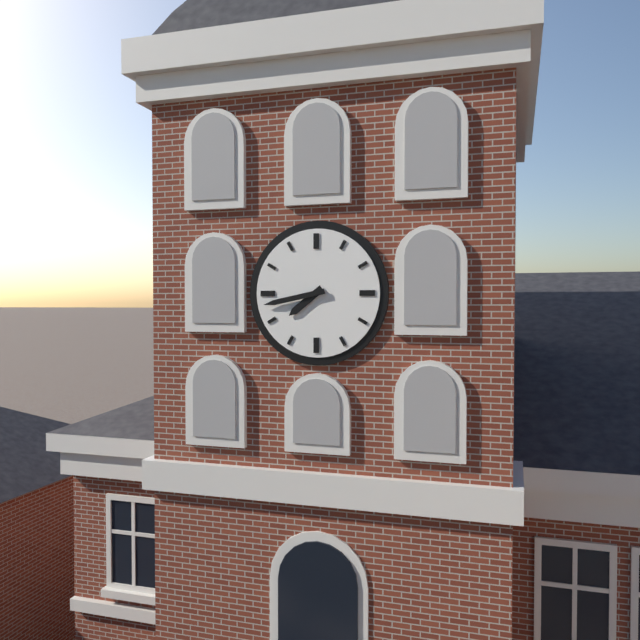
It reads 7:43
